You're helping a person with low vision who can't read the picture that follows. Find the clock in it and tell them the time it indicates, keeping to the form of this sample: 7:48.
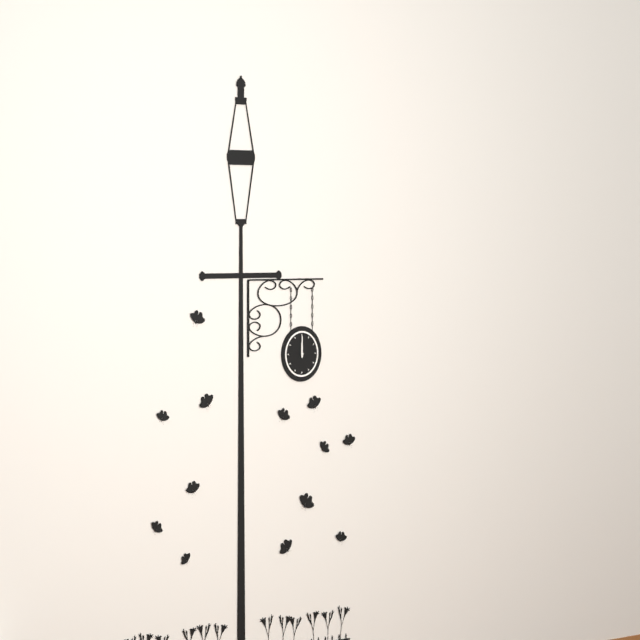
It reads 12:00
